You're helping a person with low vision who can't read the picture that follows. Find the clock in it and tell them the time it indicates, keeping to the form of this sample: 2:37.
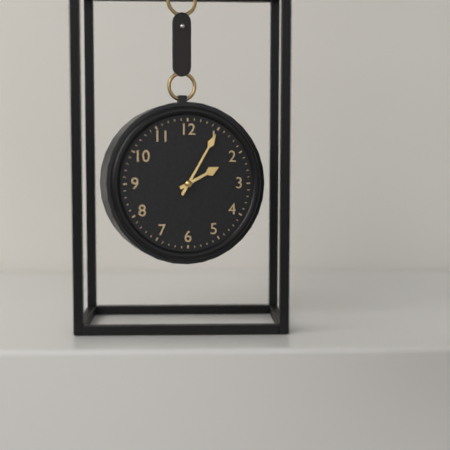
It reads 2:05
